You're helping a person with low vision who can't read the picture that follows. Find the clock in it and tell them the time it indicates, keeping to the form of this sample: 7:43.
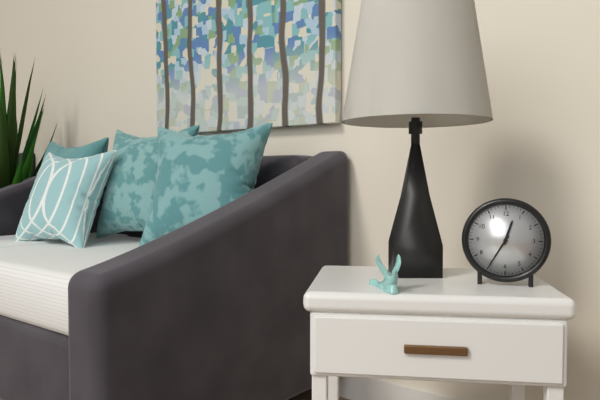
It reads 12:35
